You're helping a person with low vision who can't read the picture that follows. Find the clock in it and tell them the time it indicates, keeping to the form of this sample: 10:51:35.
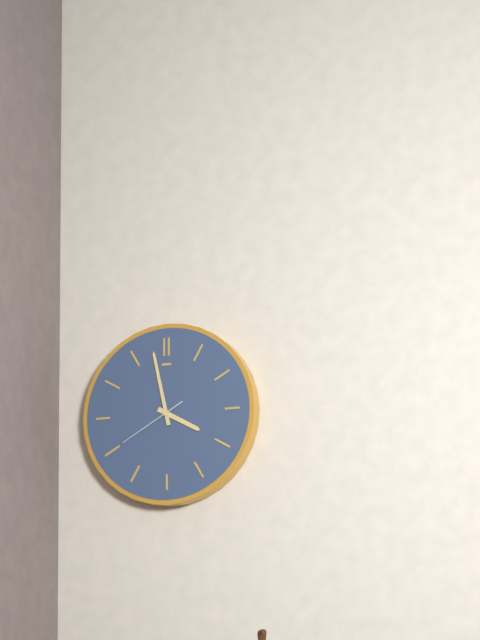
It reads 3:58:40
